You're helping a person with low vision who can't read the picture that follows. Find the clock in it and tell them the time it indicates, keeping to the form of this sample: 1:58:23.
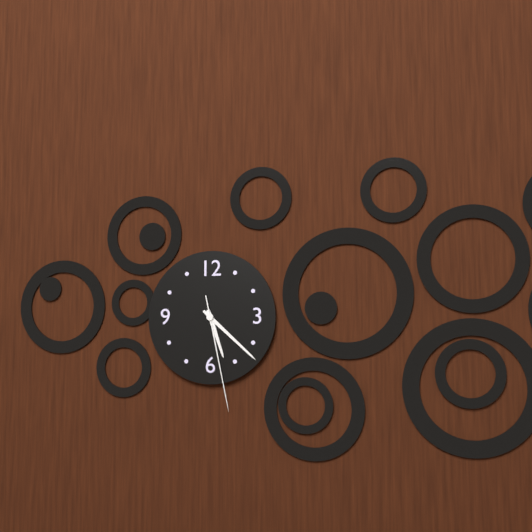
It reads 5:22:28
